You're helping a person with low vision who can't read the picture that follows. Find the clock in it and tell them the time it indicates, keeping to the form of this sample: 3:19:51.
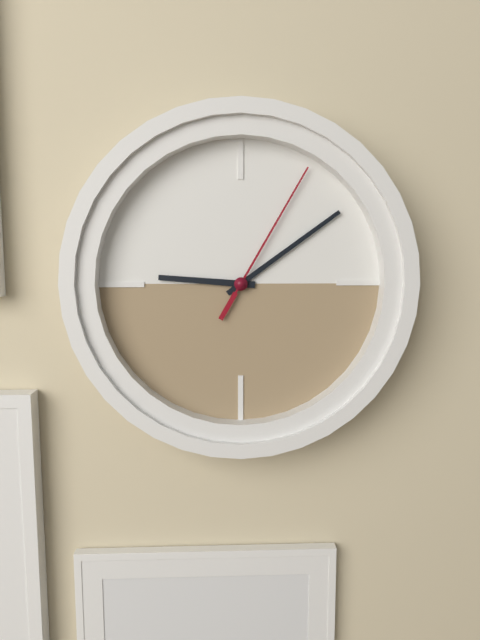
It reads 9:09:05
